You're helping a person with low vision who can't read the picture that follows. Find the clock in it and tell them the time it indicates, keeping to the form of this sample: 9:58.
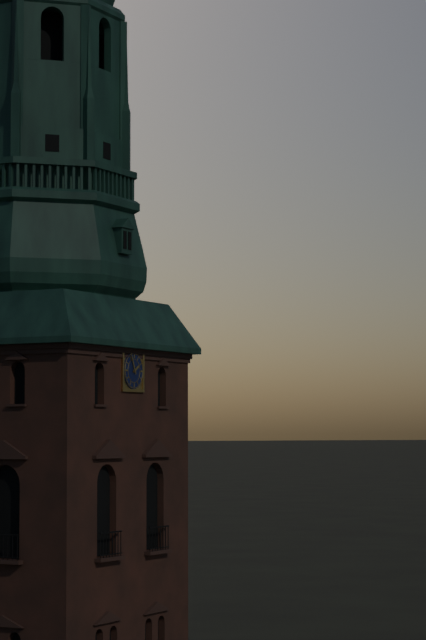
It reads 1:56
